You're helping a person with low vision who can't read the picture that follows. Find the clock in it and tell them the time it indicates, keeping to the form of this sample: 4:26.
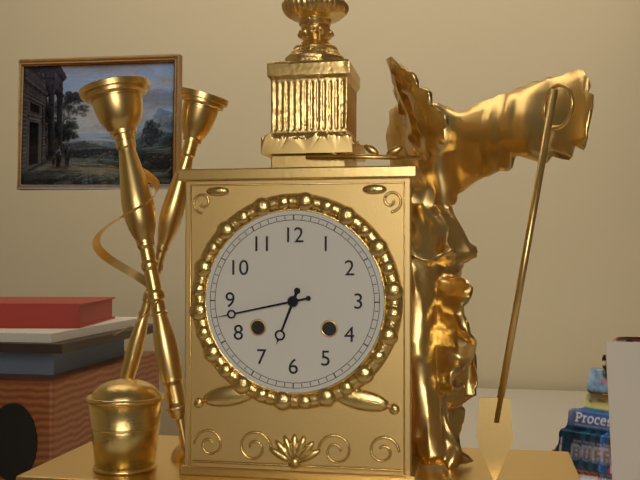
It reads 6:43
